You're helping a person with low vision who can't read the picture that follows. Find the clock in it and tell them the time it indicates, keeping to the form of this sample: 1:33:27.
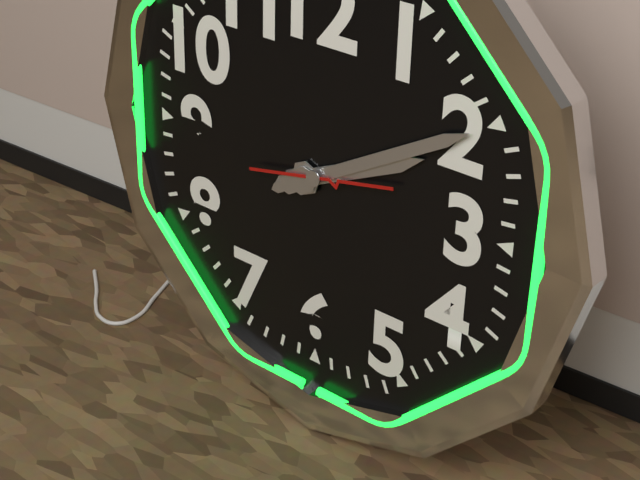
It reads 2:10:13
